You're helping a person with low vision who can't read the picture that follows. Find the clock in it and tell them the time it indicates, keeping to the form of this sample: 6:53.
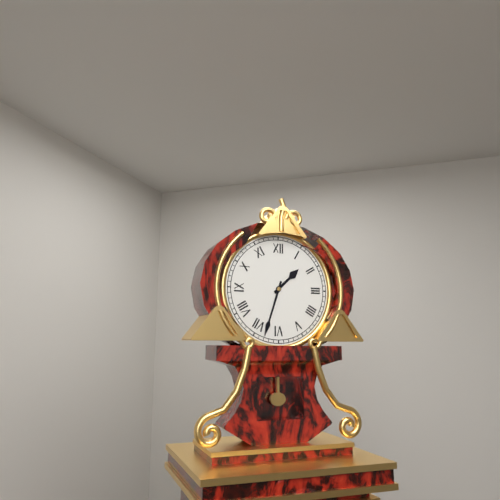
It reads 1:33
